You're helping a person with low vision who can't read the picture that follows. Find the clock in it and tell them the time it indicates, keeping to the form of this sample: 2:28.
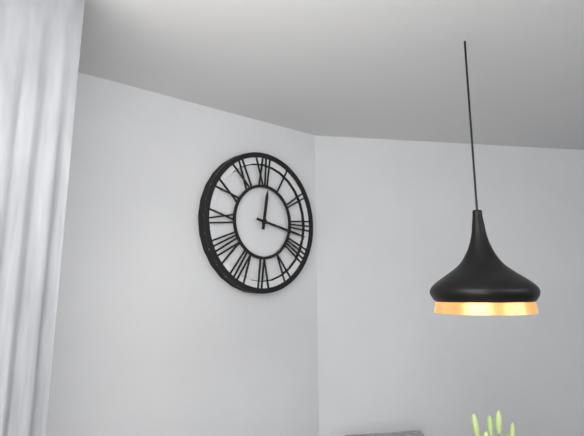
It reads 12:17
